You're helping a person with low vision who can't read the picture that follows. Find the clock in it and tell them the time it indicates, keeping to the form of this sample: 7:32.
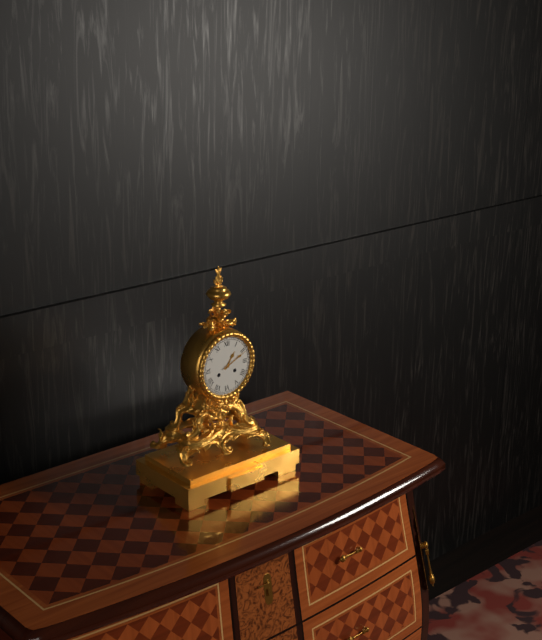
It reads 1:11
